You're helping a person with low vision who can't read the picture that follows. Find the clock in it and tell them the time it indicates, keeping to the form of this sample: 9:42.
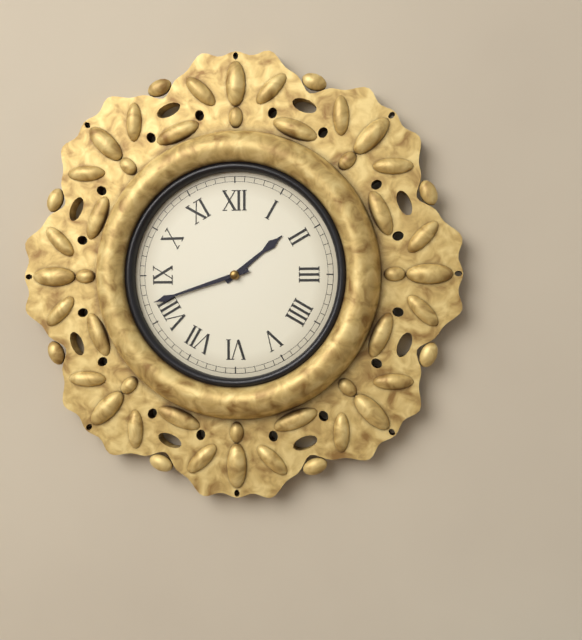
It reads 1:42
